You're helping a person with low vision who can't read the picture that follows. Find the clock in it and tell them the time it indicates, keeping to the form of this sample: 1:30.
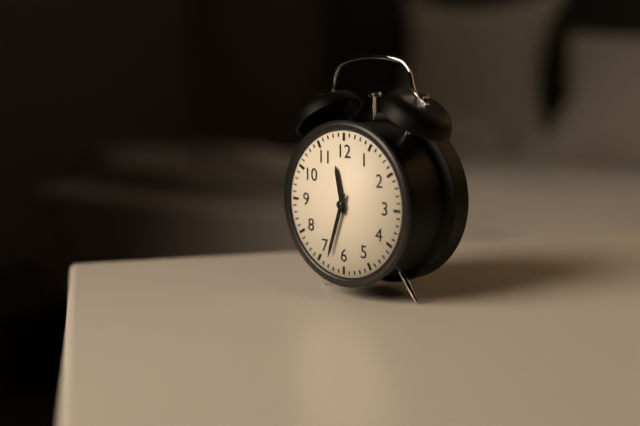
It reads 11:33
